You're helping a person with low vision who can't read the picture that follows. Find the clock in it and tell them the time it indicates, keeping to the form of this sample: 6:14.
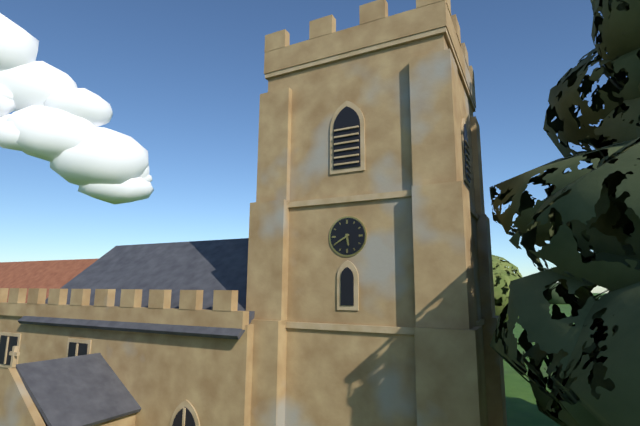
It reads 5:40
